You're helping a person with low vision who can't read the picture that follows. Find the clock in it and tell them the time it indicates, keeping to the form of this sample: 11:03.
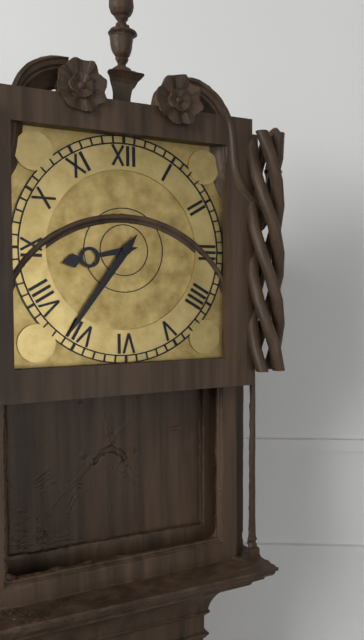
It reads 8:36
